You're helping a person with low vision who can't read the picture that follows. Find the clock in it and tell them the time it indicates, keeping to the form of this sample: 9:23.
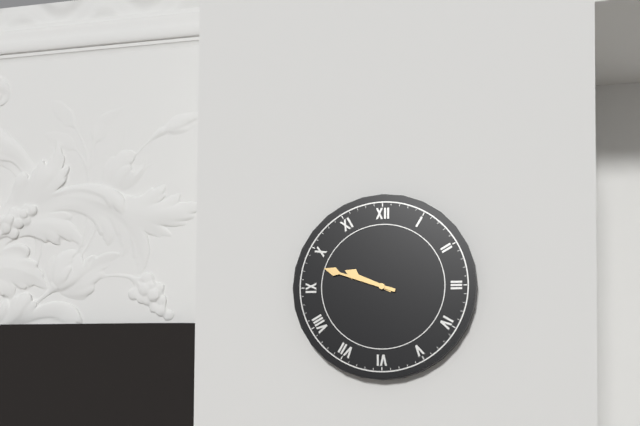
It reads 9:48
